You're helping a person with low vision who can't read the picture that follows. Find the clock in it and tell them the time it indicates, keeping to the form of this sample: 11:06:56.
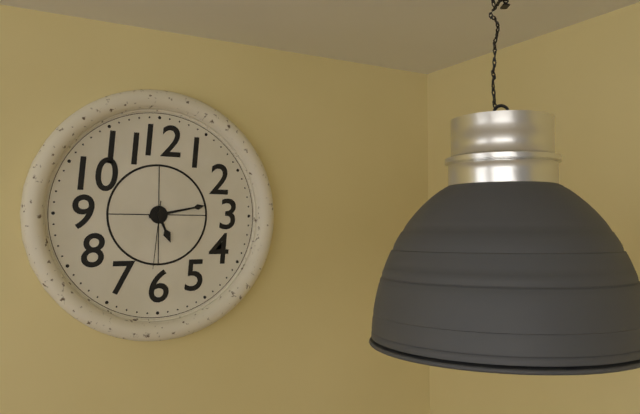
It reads 5:13:31
